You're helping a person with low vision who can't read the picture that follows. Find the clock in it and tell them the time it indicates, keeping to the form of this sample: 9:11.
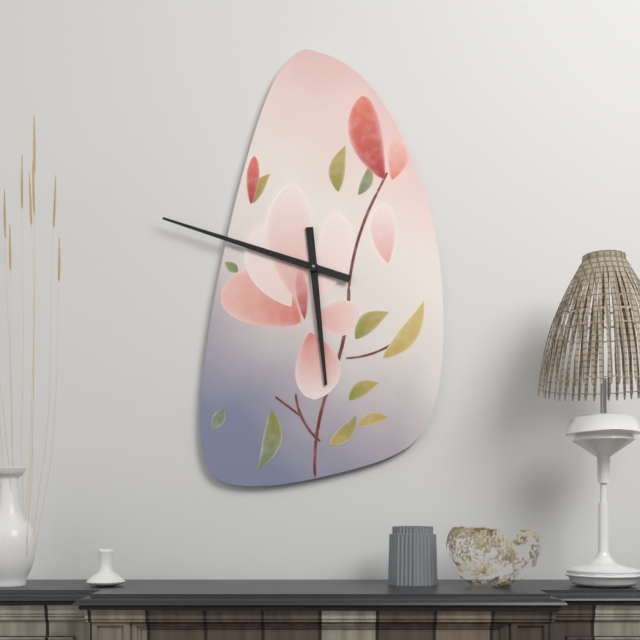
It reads 5:48
